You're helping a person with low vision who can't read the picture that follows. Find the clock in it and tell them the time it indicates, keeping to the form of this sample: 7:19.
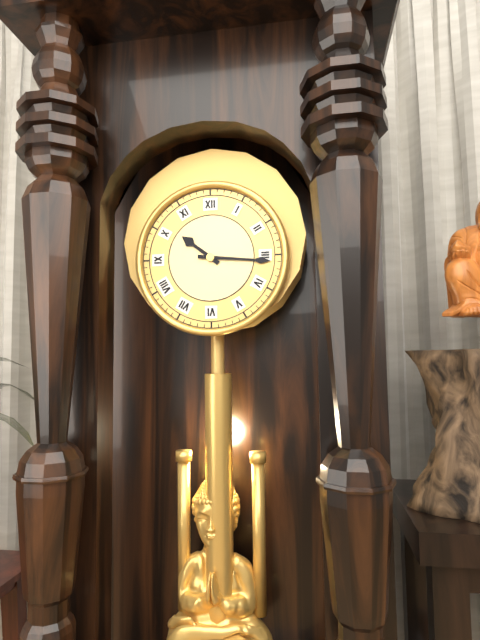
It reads 10:16
